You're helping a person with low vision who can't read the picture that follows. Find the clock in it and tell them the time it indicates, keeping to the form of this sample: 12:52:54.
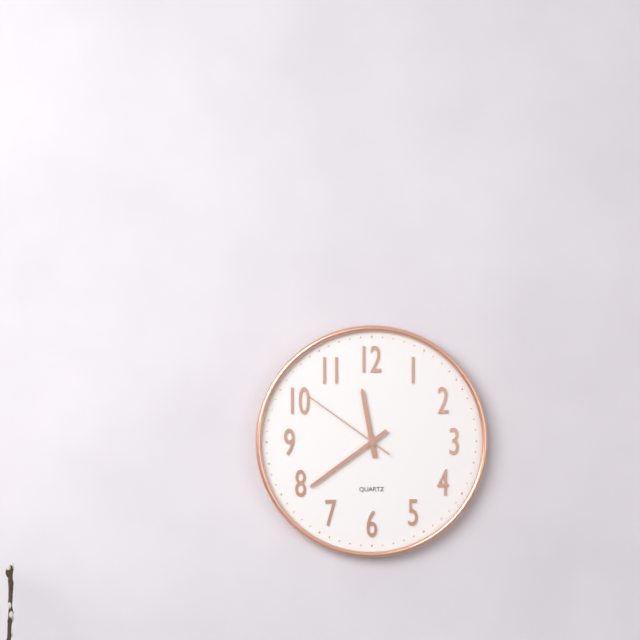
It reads 11:39:51
